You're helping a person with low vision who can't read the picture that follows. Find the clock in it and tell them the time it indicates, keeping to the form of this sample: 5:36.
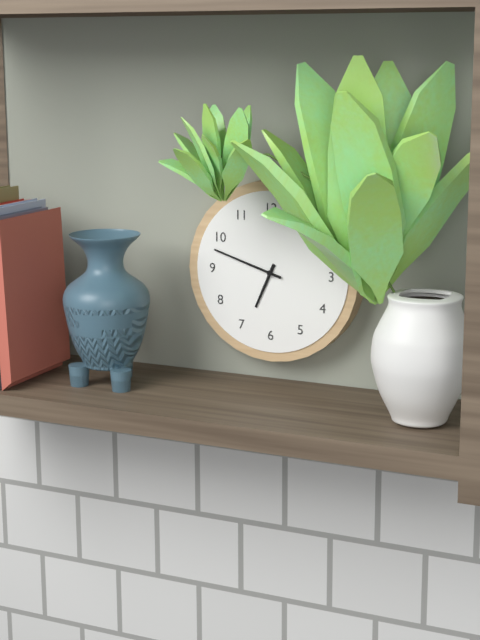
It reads 6:48
